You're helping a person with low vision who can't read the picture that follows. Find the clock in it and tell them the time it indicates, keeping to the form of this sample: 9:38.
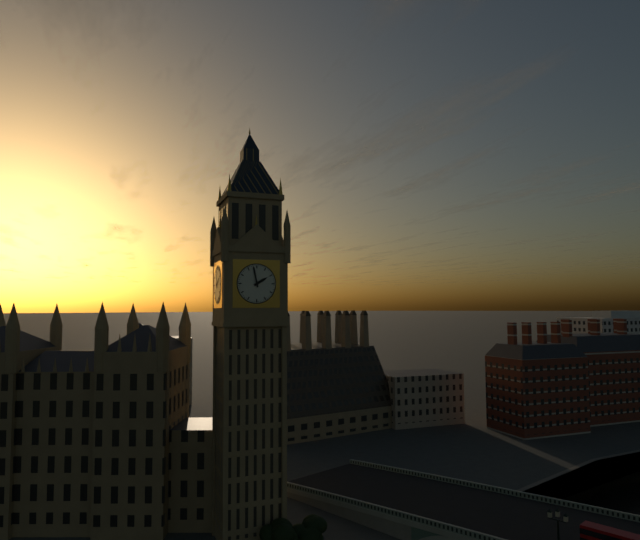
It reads 1:58
